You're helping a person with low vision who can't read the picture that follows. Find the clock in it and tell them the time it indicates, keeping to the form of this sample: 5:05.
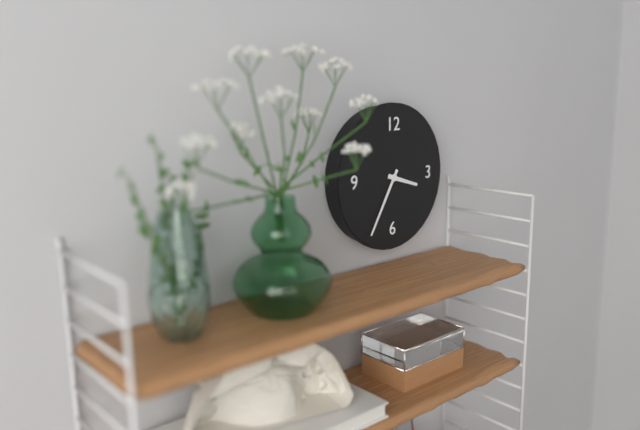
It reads 3:35
